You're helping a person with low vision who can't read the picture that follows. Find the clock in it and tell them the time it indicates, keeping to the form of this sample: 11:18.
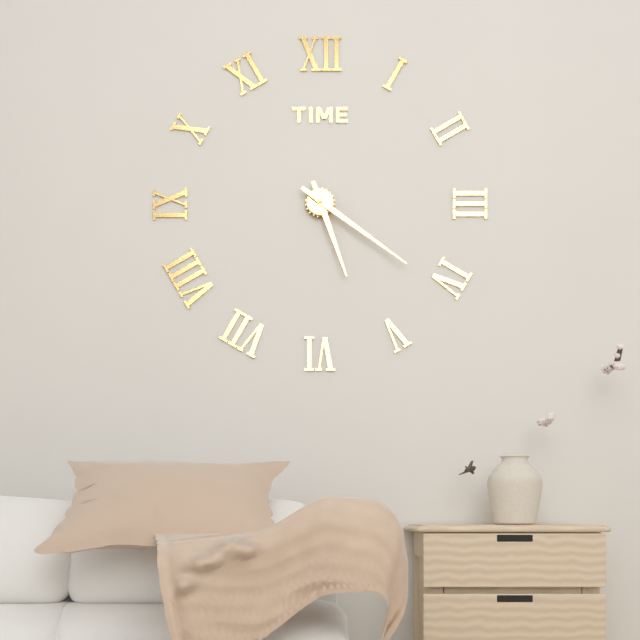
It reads 5:21
